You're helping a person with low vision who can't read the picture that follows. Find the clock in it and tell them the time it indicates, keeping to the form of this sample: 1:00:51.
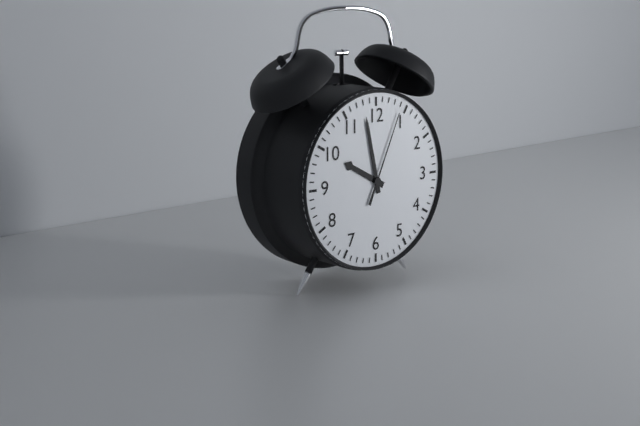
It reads 9:58:04
